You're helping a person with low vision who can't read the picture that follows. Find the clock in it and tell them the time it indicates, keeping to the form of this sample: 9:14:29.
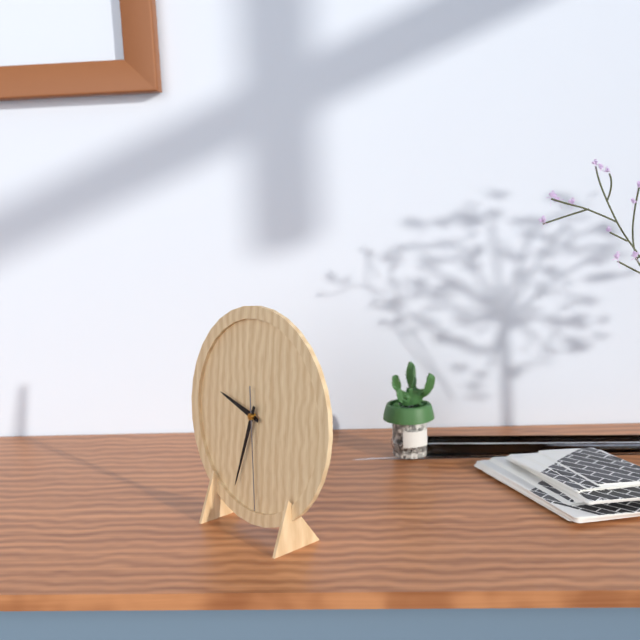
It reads 9:33:29
